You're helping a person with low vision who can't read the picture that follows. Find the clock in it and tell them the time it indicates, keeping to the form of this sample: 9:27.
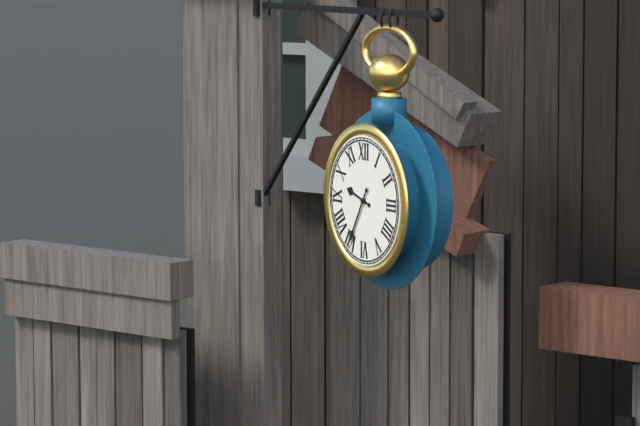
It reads 9:35
